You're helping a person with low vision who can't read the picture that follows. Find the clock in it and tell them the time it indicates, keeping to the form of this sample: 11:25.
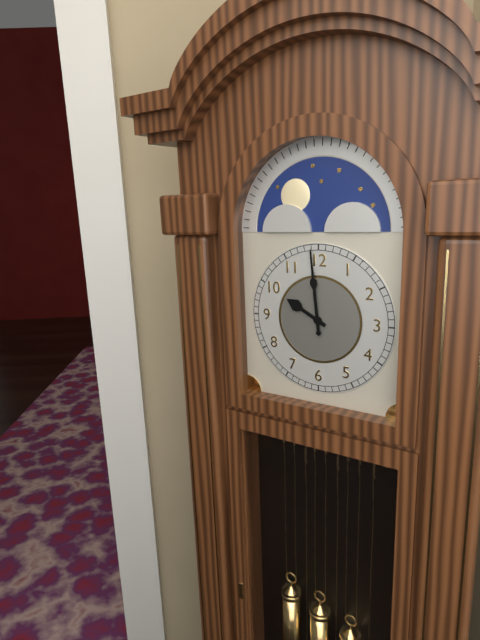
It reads 9:59
